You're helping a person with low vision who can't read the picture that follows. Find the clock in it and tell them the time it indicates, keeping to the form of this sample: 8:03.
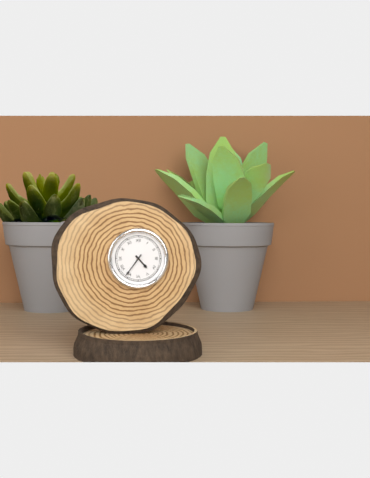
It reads 4:36
